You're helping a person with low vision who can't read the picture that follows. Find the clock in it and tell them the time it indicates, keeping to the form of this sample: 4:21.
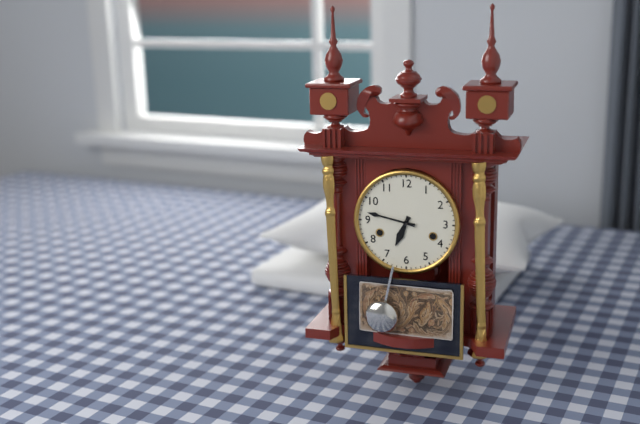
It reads 6:47
